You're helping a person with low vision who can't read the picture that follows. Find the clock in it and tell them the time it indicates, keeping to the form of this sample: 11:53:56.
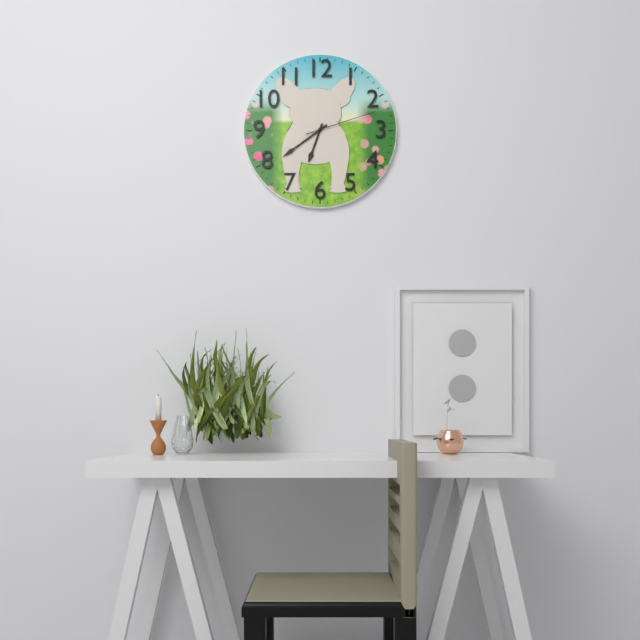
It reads 6:39:12
